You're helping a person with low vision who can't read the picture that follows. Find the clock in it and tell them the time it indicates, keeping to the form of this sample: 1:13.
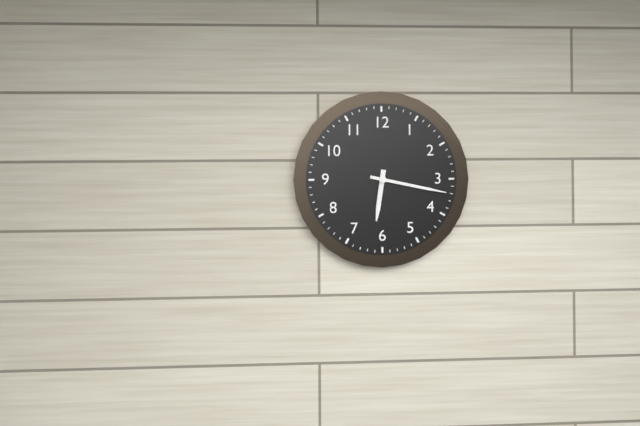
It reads 6:17
